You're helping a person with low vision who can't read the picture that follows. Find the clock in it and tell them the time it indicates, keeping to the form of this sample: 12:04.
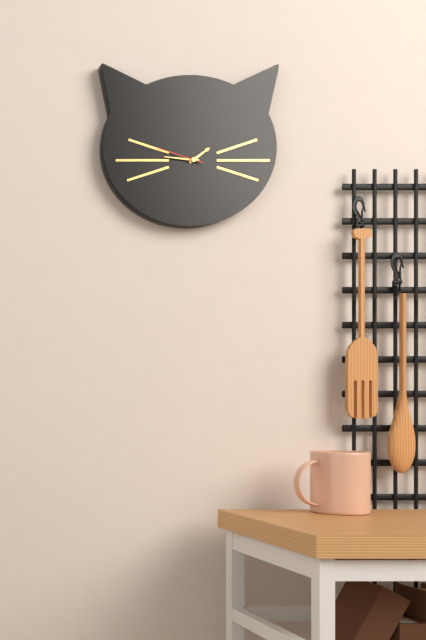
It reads 1:46
